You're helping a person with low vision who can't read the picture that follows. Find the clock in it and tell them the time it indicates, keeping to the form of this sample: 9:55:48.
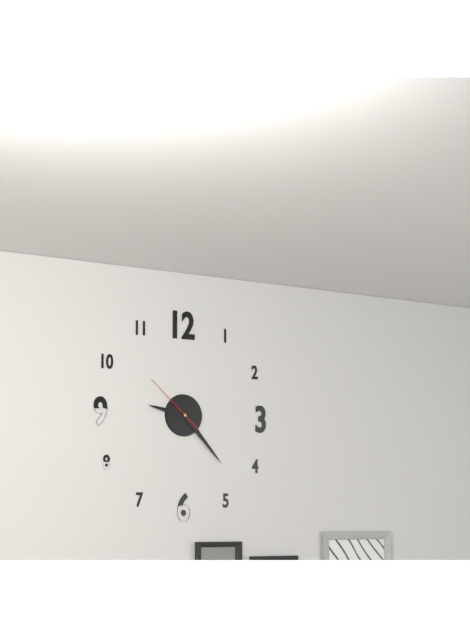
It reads 9:23:52
